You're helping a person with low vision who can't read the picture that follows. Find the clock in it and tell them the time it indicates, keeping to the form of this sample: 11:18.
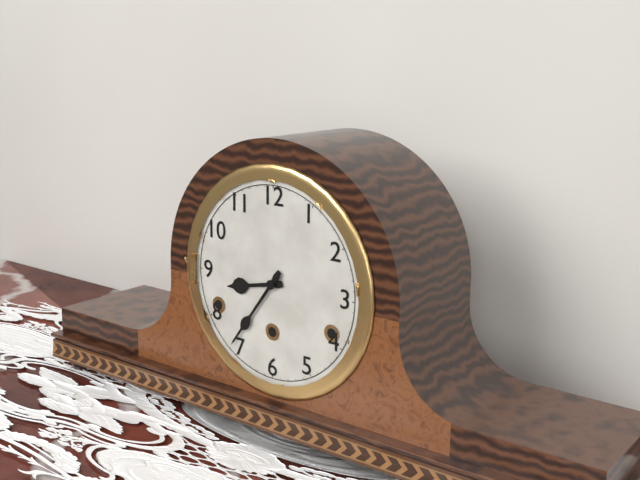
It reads 8:36
